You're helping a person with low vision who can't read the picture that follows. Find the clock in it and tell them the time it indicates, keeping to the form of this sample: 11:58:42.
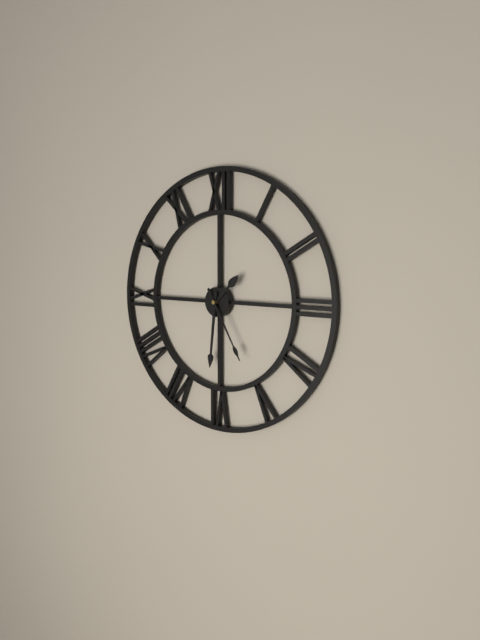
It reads 1:31:25
